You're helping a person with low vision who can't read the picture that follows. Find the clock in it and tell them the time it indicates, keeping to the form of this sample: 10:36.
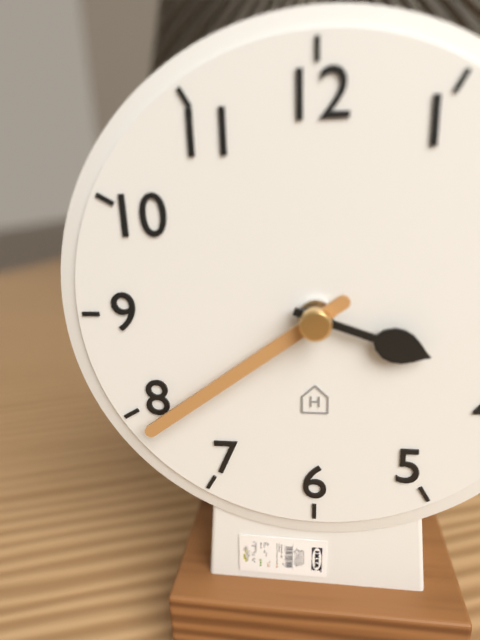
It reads 3:39
